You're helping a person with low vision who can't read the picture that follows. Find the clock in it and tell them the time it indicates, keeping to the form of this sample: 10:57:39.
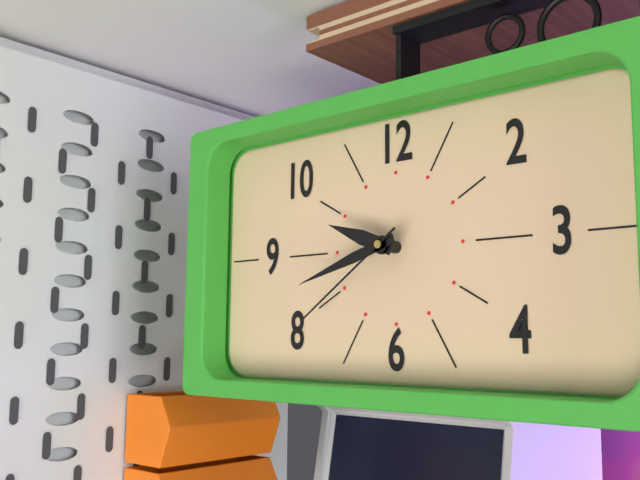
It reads 9:42:39
